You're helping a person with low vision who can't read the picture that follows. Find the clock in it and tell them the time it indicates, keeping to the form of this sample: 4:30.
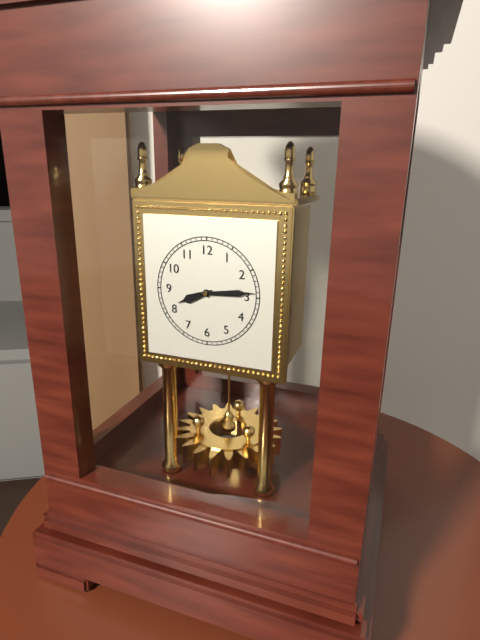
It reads 8:14
